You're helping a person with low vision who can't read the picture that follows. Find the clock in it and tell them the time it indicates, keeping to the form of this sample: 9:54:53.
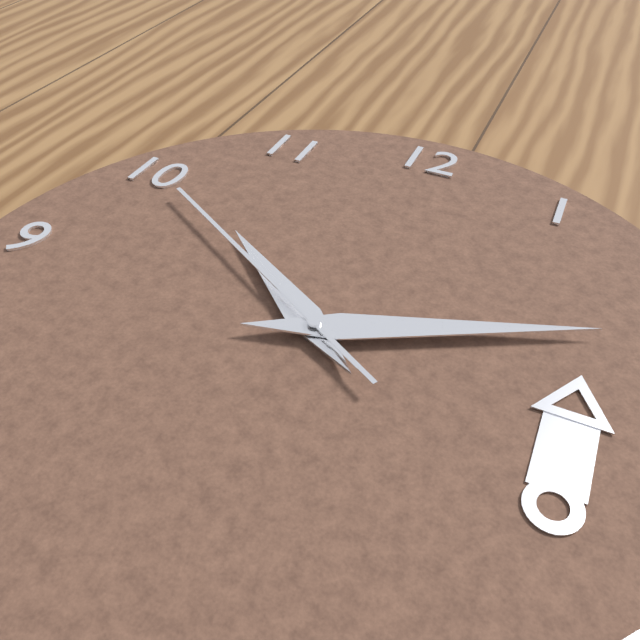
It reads 10:11:50
